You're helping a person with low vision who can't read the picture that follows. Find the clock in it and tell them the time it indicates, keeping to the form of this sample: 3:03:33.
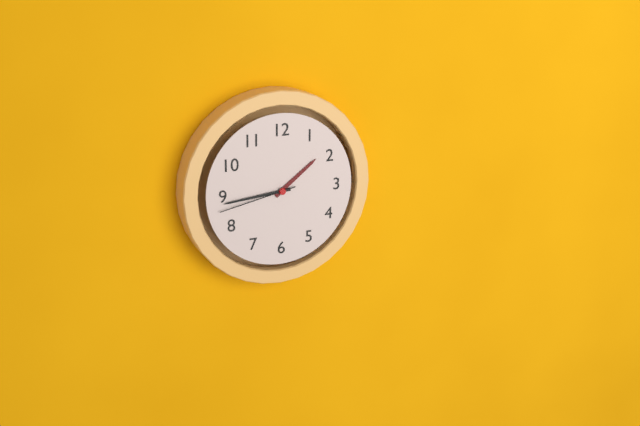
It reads 1:44:43
